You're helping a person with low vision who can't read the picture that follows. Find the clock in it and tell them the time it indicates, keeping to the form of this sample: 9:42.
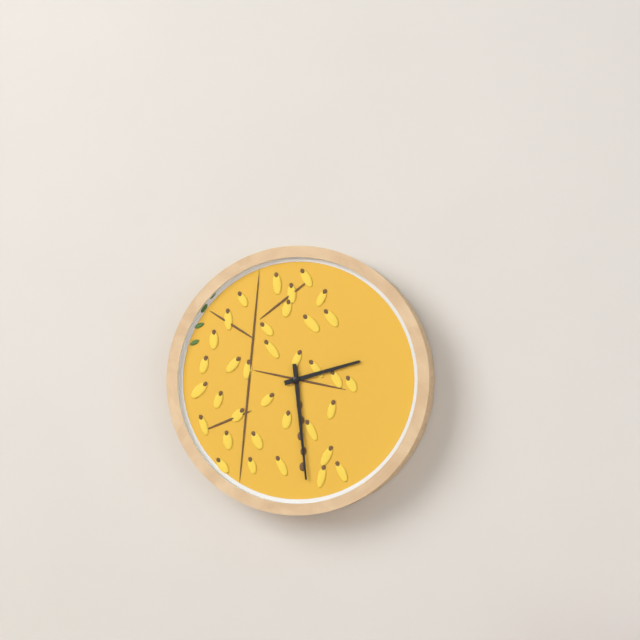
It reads 2:29
